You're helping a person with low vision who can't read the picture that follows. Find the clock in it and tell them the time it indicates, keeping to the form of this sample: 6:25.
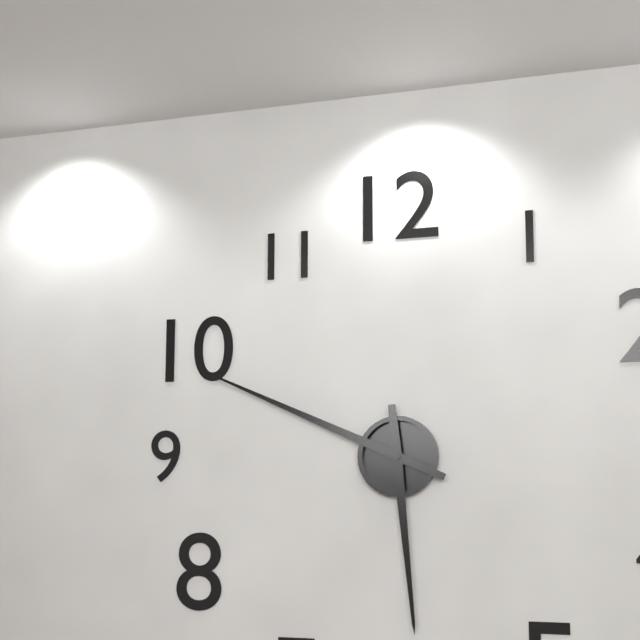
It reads 5:49
